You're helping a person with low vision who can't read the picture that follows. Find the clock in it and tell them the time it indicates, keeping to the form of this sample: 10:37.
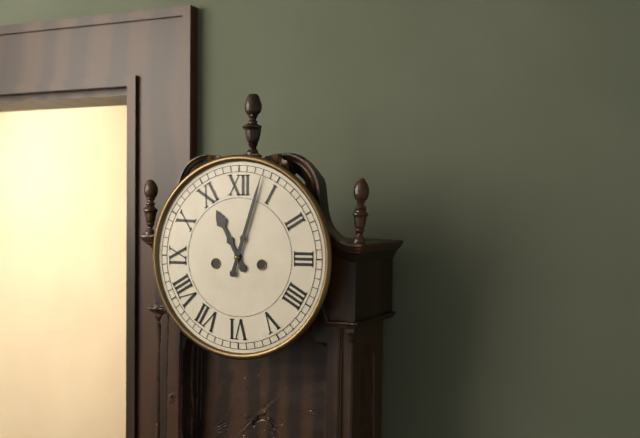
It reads 11:03
